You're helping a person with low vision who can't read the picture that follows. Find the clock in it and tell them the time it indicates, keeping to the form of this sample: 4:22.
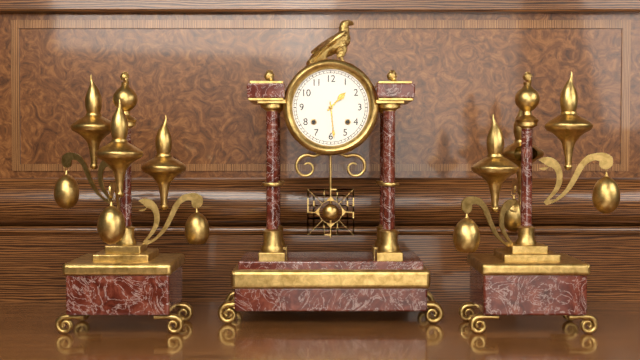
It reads 1:29
